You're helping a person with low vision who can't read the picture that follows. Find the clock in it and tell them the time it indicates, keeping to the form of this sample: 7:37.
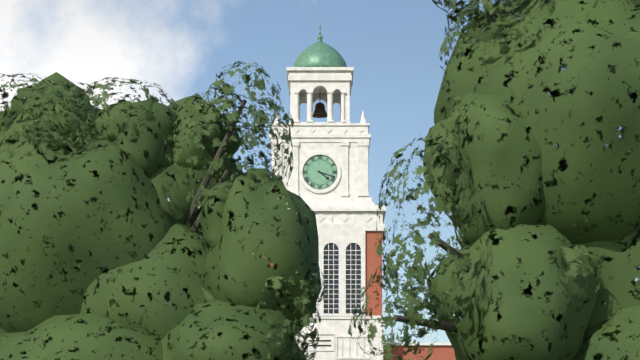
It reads 4:18
